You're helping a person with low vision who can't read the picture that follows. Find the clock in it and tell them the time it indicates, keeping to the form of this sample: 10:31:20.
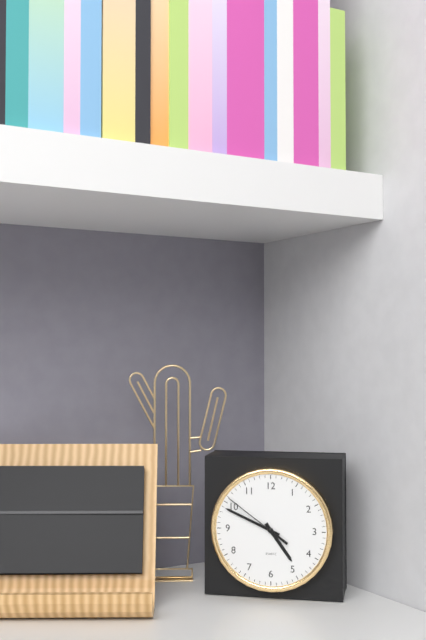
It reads 4:49:51
